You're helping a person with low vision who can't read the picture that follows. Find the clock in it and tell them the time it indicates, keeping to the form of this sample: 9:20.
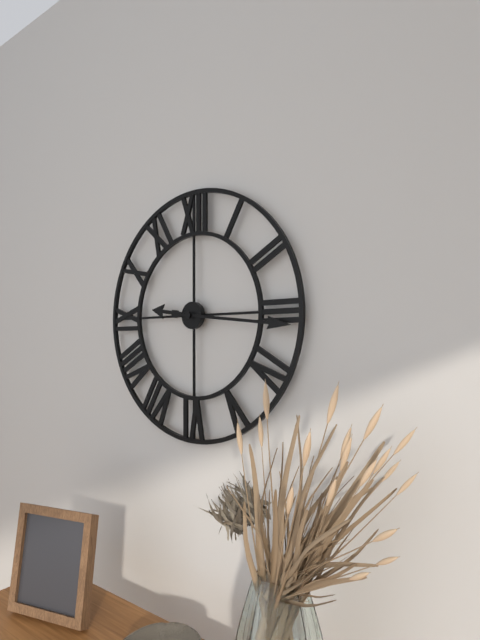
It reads 9:16
